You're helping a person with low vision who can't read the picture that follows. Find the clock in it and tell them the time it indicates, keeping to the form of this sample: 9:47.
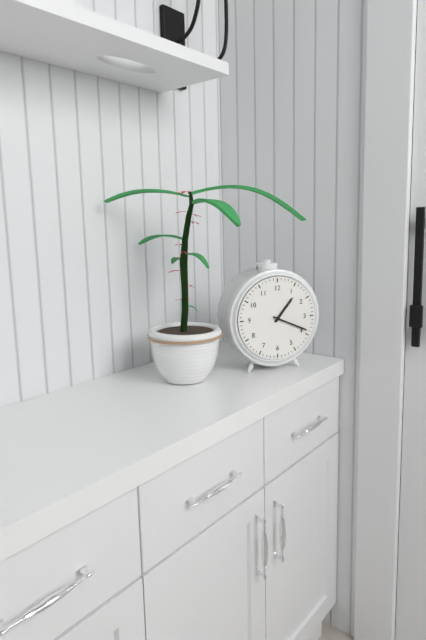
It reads 1:19
